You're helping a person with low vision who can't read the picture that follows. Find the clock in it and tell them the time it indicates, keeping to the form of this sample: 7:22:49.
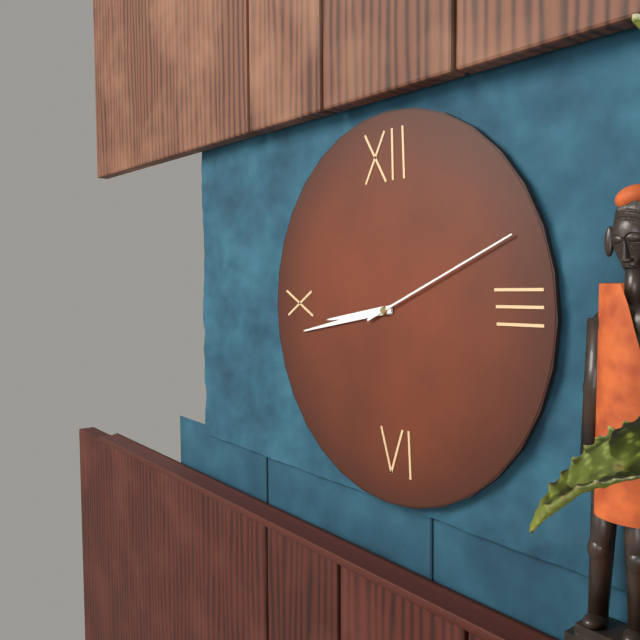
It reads 8:43:11
